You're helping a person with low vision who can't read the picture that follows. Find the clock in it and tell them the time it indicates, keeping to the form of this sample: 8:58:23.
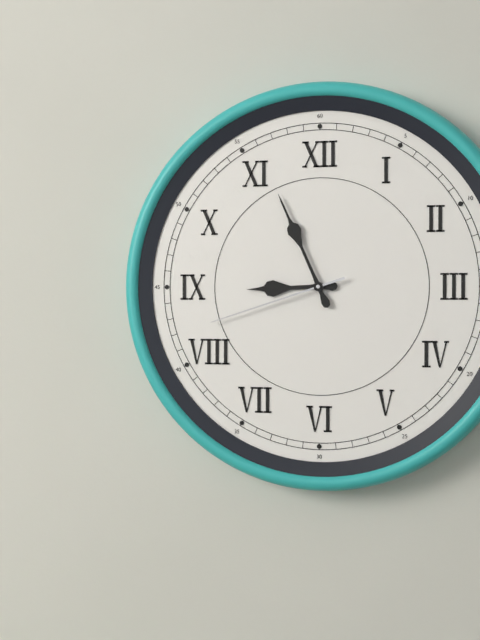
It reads 8:56:42
